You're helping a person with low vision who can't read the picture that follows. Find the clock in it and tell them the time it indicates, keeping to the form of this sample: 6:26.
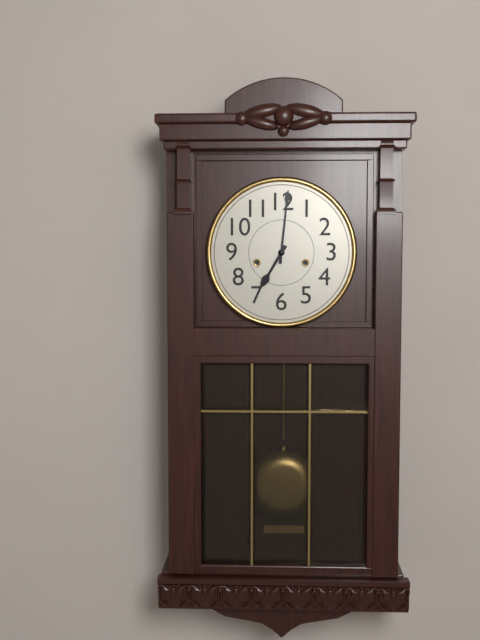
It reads 7:01
